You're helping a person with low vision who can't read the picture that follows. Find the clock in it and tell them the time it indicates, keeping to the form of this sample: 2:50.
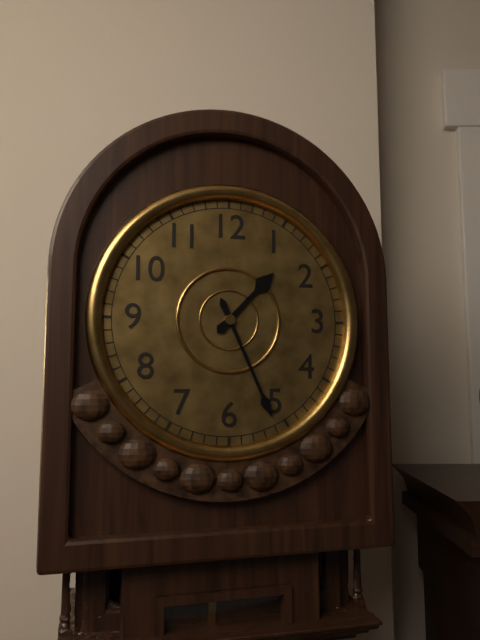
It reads 1:26
